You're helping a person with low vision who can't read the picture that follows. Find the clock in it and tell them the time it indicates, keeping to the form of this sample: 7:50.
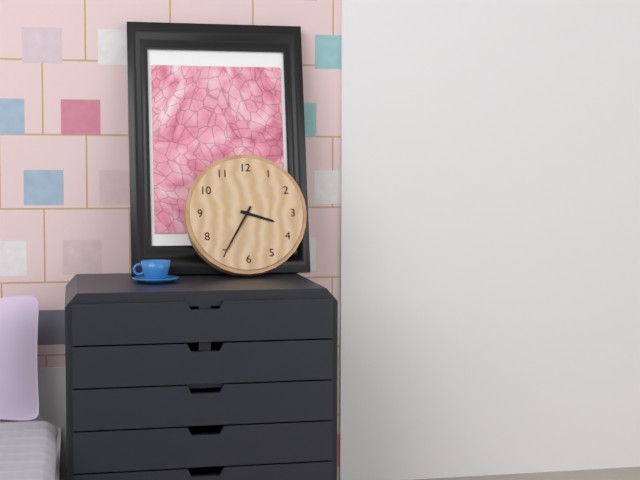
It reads 3:35
